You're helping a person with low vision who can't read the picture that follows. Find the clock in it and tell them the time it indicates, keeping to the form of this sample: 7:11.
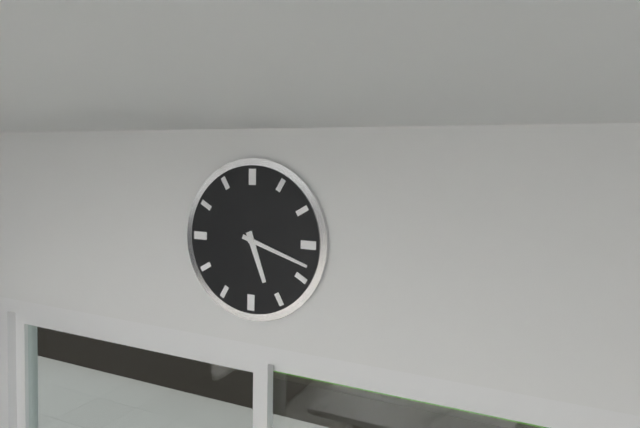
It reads 5:18
